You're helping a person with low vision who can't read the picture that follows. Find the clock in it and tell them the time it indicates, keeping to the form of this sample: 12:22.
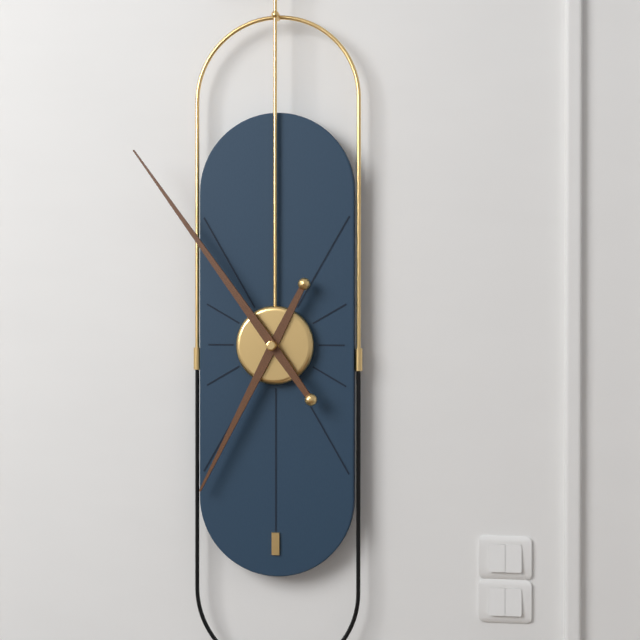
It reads 6:54
